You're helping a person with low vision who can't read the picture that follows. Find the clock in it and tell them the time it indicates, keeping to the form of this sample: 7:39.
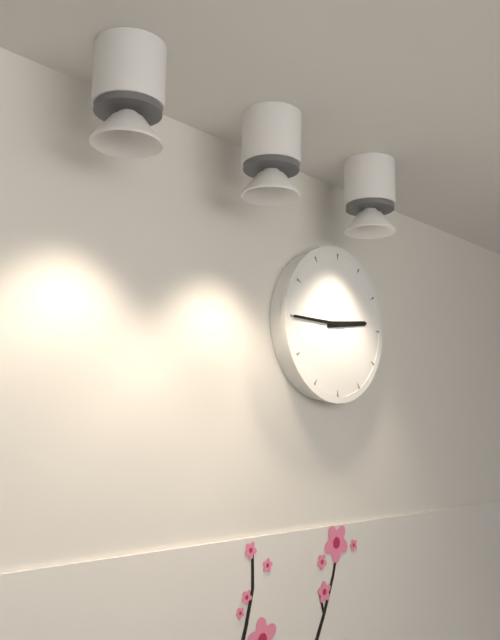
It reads 2:45
